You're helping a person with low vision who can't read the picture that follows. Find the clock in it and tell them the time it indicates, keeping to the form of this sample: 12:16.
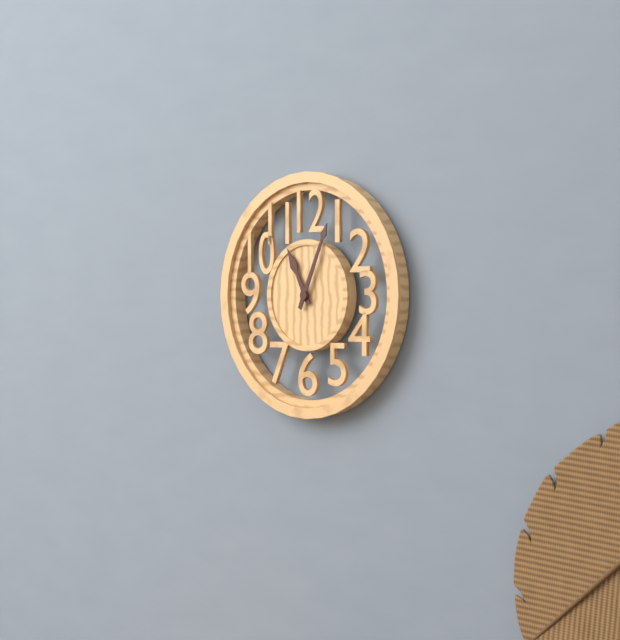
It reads 11:04
